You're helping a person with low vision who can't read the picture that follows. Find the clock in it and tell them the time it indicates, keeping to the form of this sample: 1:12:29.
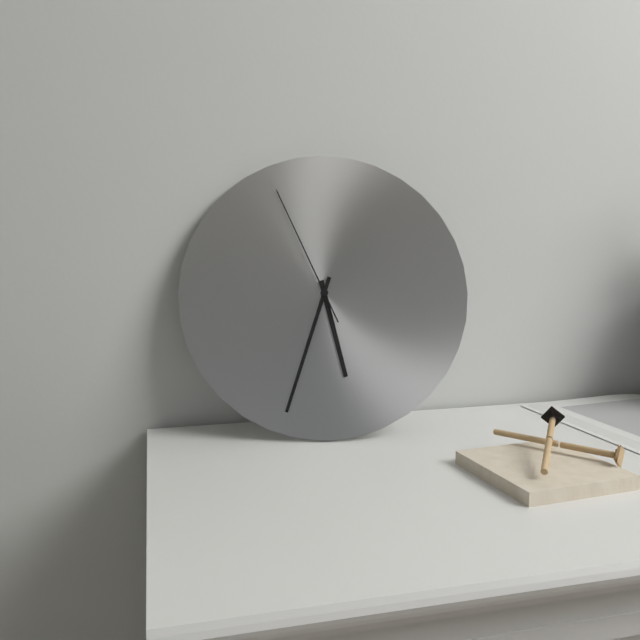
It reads 5:33:56
